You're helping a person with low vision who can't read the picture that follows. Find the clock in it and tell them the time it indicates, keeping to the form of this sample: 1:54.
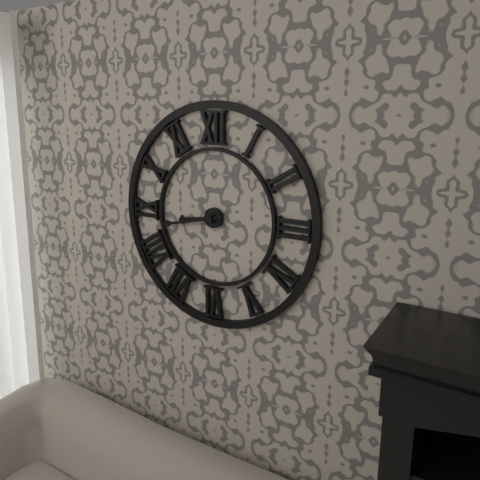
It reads 8:43
